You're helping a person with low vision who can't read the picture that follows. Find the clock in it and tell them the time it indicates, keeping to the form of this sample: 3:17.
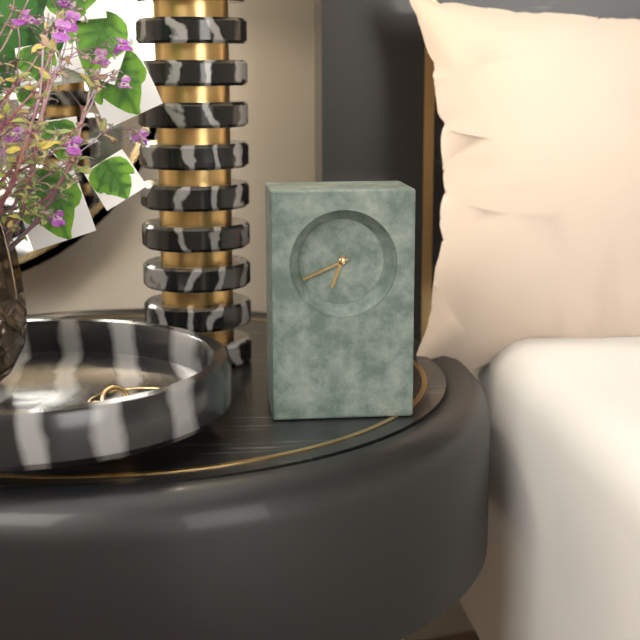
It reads 6:41
